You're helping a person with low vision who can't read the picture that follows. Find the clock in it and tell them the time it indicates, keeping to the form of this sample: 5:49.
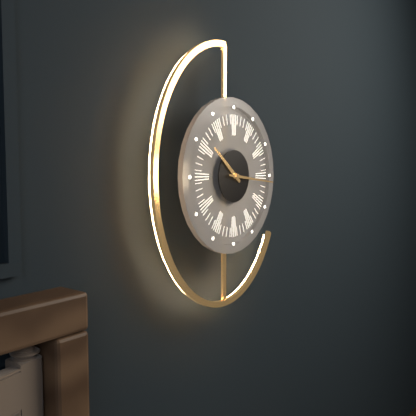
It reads 10:16
